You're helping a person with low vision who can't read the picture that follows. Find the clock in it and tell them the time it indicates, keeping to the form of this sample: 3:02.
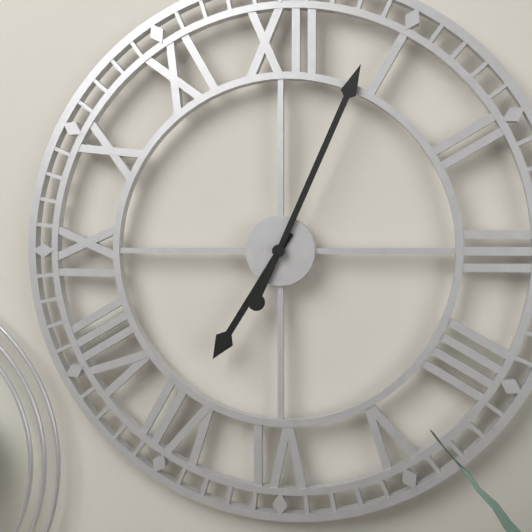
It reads 7:04
